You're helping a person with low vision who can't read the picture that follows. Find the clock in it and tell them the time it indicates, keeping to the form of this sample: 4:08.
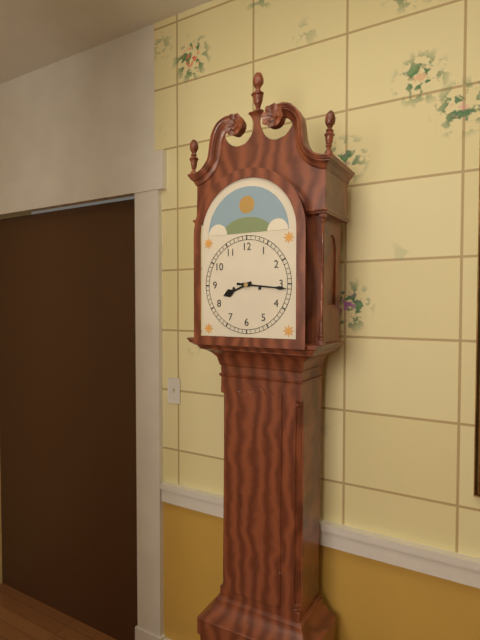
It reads 8:16
